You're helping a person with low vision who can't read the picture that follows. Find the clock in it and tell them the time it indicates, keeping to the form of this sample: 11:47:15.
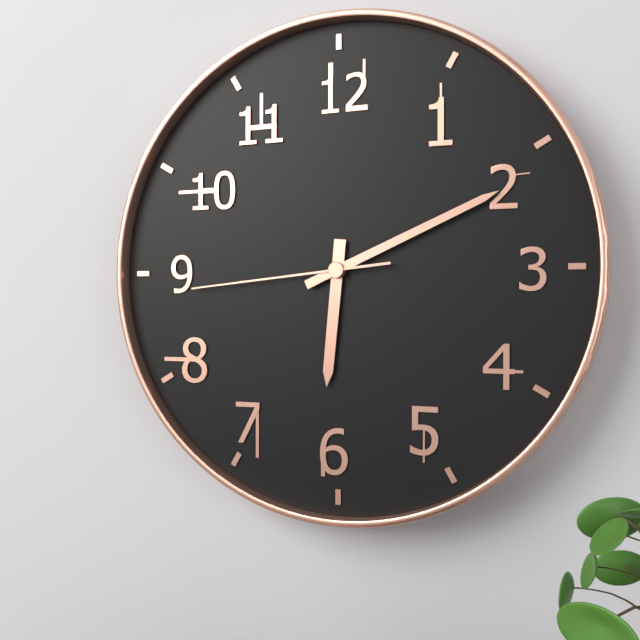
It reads 6:11:44
